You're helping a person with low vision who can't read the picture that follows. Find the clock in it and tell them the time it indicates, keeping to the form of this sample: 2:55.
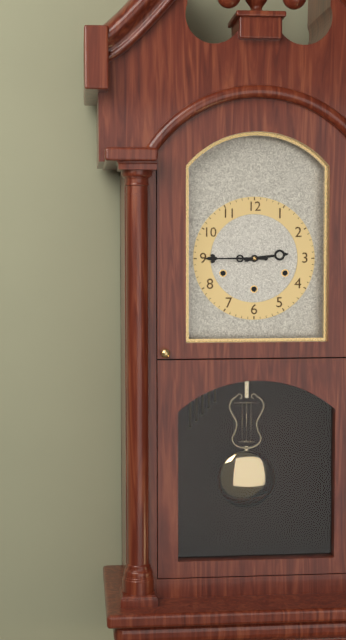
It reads 2:45
